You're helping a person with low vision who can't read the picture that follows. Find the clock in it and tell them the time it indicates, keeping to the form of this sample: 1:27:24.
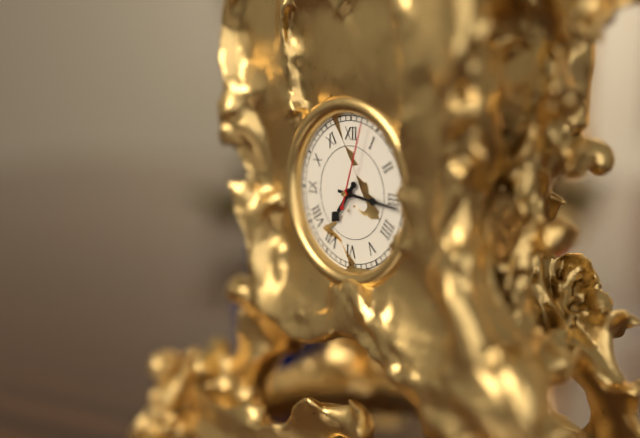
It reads 7:16:03
